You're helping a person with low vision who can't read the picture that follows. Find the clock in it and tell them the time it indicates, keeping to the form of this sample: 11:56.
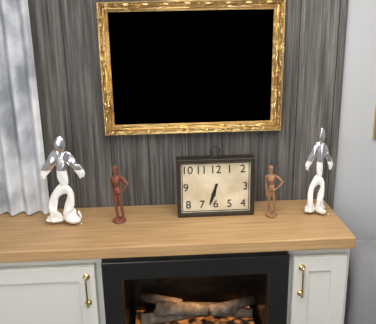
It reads 6:33
